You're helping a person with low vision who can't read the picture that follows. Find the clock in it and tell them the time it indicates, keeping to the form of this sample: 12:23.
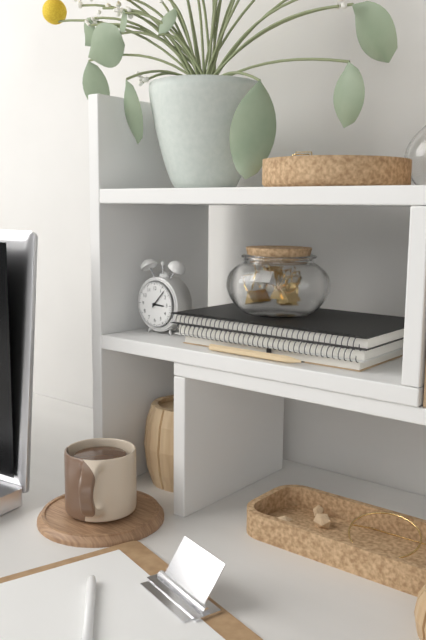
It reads 3:07
